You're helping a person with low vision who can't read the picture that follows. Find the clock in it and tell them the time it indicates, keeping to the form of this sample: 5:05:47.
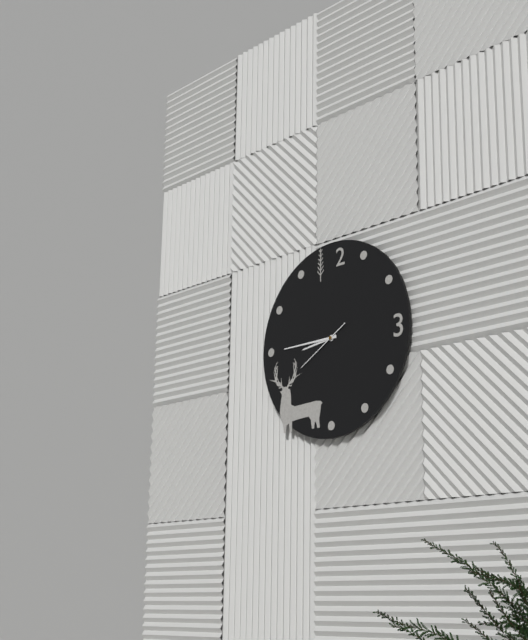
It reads 8:45:40
